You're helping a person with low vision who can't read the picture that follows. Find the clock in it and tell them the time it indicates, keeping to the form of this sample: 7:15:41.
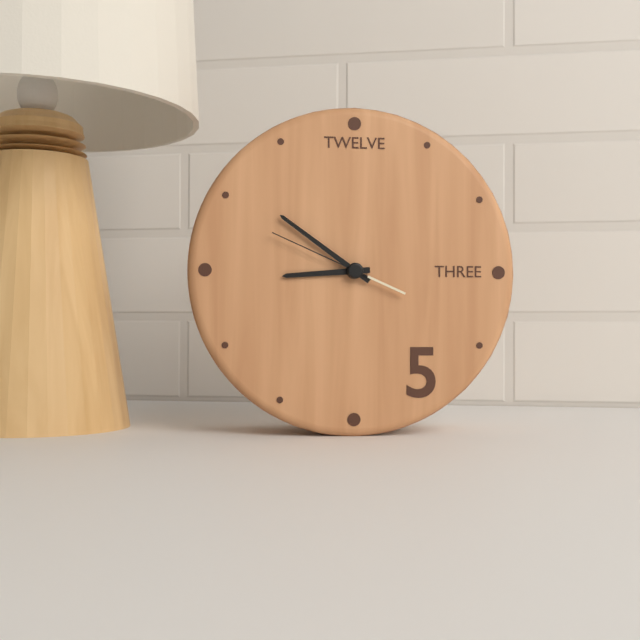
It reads 8:51:49
